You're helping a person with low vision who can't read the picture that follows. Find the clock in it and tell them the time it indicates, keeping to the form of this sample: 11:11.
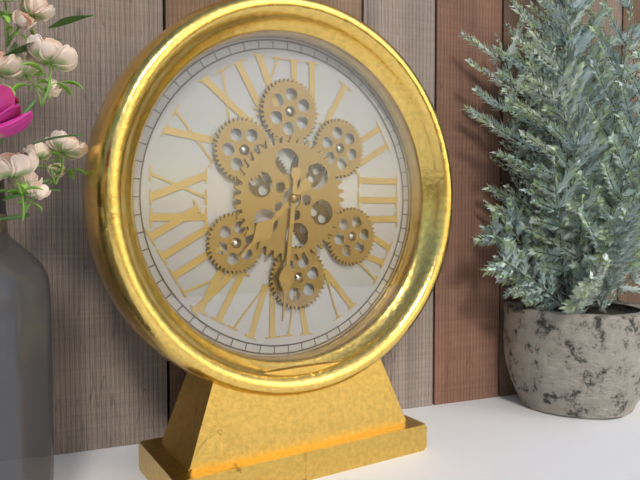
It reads 7:31
